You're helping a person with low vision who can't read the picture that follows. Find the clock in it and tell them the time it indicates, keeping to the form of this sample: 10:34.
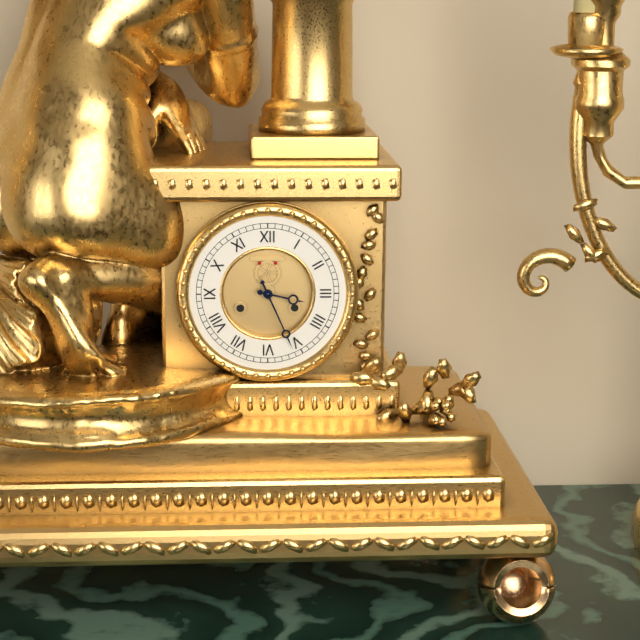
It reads 3:26
